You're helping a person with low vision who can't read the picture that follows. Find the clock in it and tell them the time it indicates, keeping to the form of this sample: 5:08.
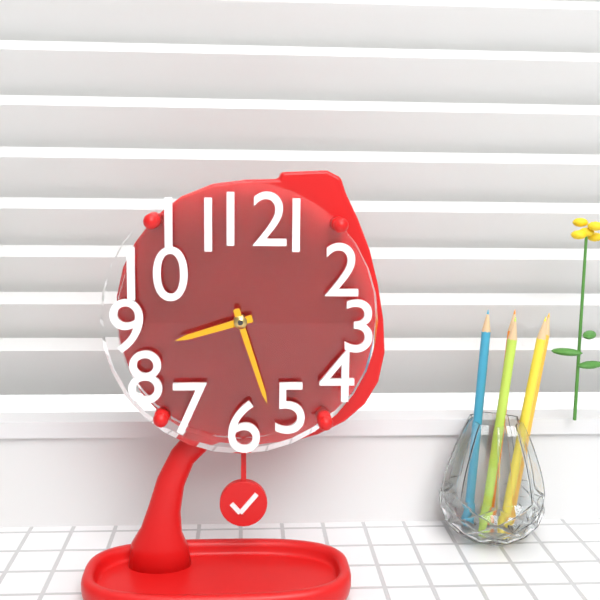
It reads 8:27
